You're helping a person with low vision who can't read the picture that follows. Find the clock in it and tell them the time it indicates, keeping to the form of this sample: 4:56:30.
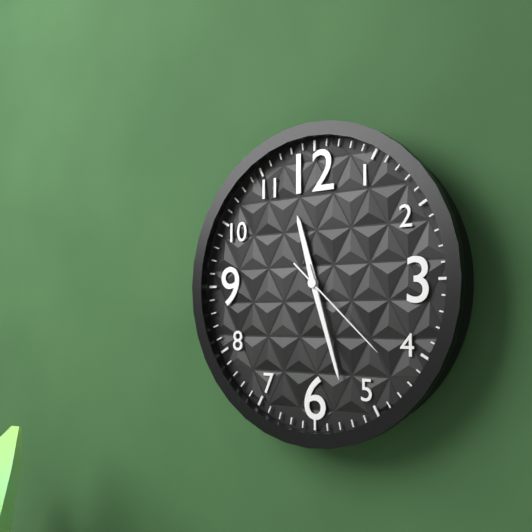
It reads 11:27:22
